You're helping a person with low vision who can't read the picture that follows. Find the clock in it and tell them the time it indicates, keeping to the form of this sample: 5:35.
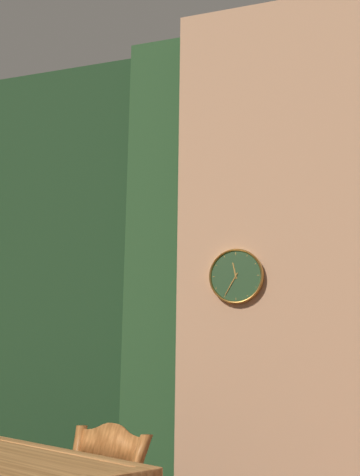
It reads 11:35
